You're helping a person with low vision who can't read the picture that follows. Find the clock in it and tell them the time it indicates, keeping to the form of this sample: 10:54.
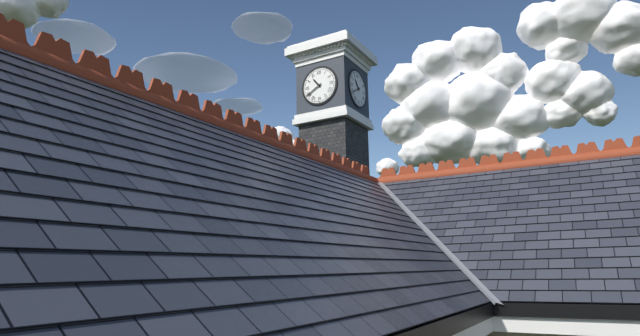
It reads 10:40
